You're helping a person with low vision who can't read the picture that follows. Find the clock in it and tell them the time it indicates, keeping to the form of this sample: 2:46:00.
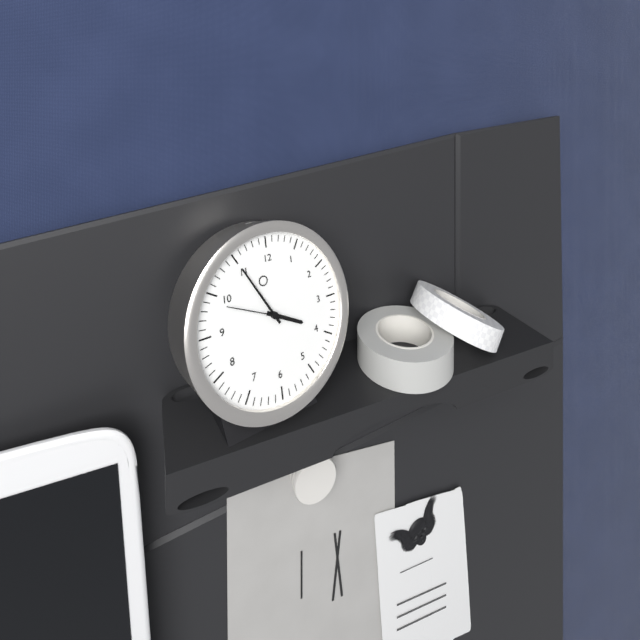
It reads 3:55:49
